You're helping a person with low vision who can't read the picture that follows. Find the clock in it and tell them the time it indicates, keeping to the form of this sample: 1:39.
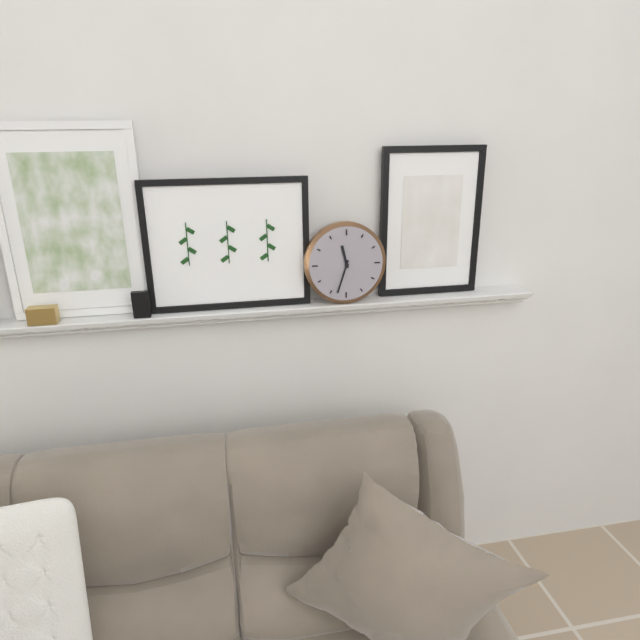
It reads 11:33
